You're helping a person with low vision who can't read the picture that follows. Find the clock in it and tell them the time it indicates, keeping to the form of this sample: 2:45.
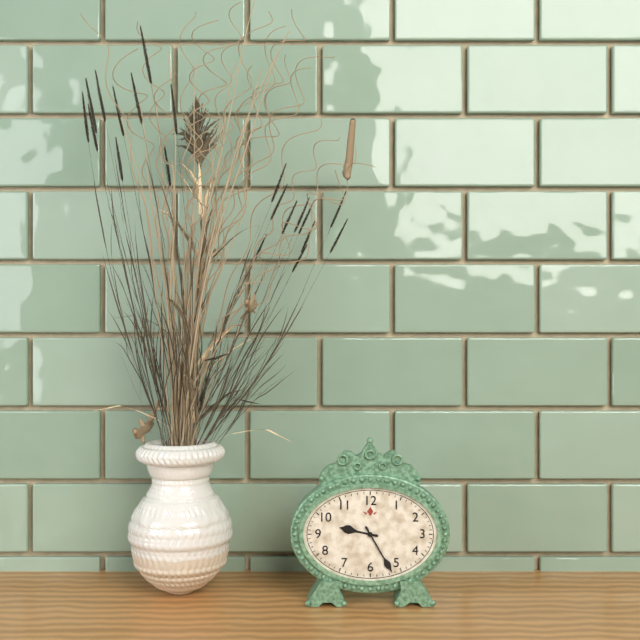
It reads 9:25
